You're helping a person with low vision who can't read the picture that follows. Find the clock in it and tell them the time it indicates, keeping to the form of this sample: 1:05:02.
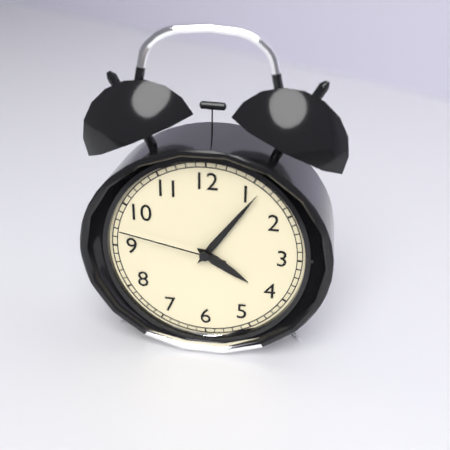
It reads 4:06:47
